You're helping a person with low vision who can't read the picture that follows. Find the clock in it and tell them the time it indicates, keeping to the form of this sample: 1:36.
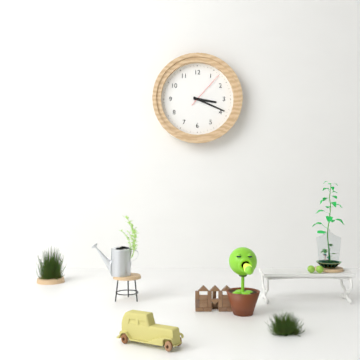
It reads 3:19
